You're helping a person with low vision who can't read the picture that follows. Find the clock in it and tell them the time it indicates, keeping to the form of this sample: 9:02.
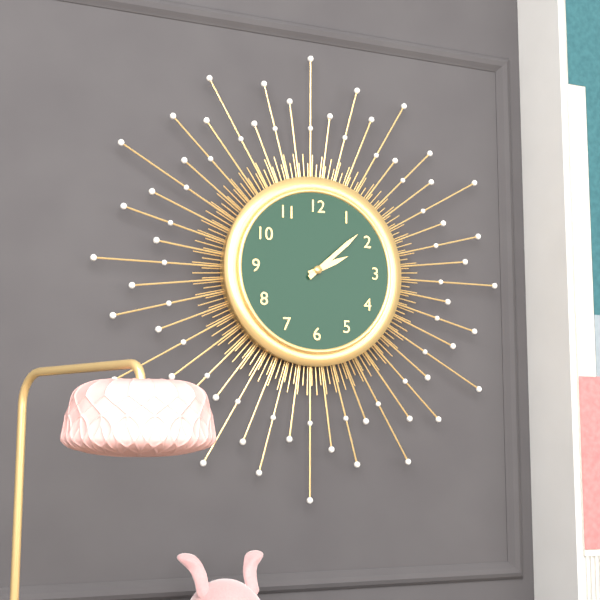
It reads 2:08
